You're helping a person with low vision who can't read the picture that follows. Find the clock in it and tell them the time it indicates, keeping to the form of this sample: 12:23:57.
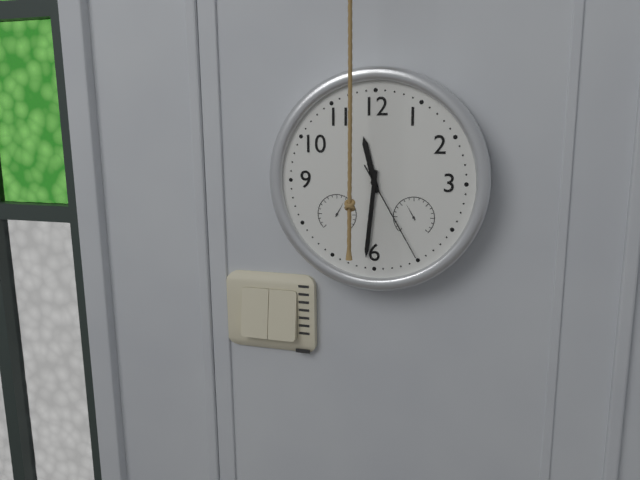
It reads 11:31:25
